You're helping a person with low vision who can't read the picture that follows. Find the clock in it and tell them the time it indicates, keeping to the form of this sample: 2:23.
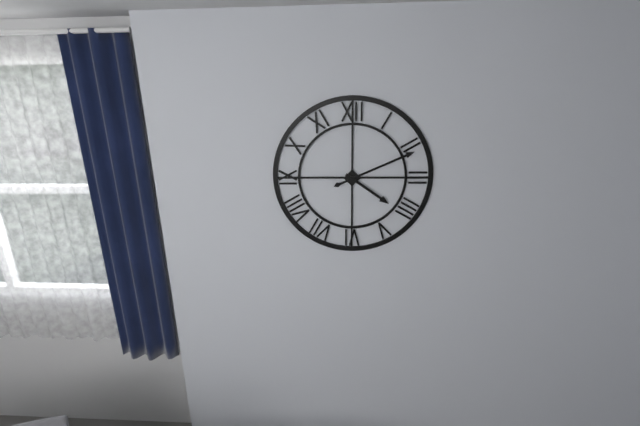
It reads 4:11
